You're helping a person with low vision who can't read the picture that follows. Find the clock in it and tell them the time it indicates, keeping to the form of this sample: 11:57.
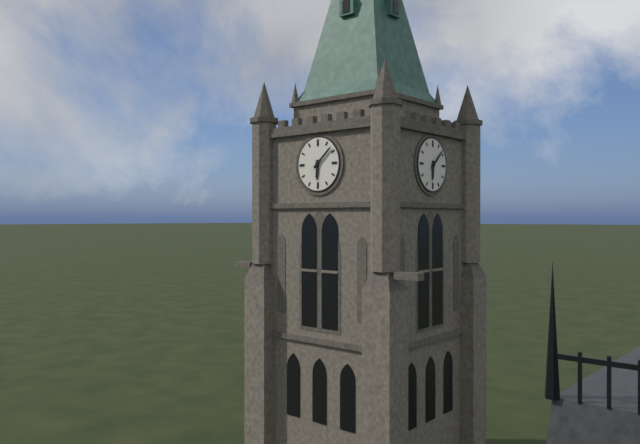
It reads 6:08
